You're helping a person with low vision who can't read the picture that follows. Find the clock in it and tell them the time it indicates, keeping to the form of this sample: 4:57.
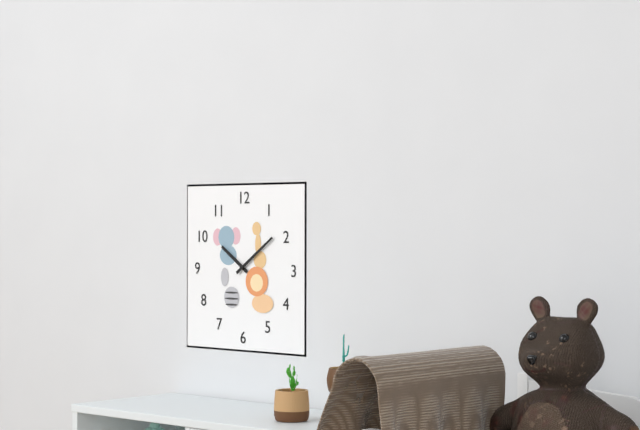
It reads 10:09
